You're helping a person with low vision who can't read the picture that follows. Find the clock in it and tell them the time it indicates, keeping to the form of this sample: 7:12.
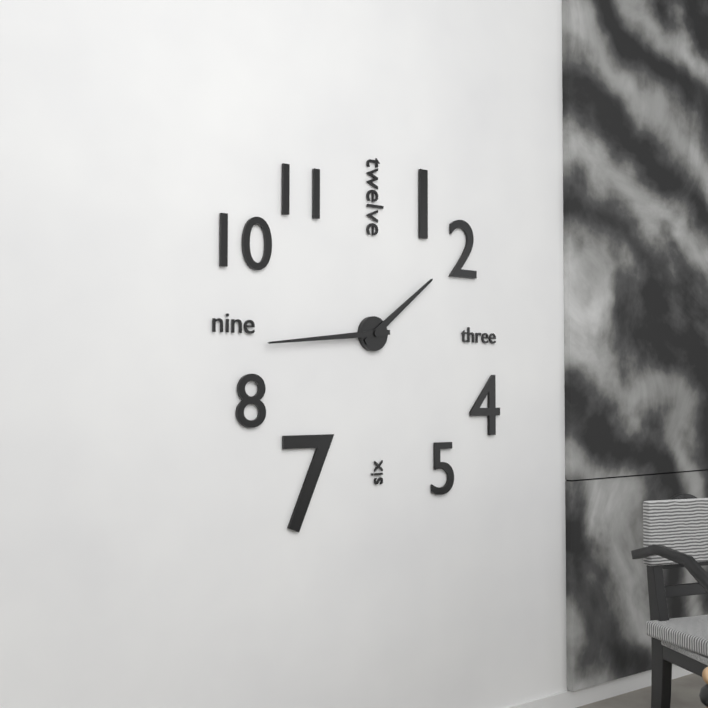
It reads 1:44
